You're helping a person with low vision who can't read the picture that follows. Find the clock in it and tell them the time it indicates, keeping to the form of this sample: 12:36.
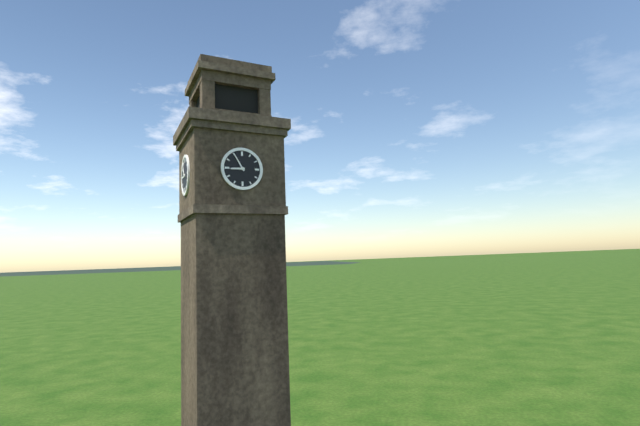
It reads 8:55
